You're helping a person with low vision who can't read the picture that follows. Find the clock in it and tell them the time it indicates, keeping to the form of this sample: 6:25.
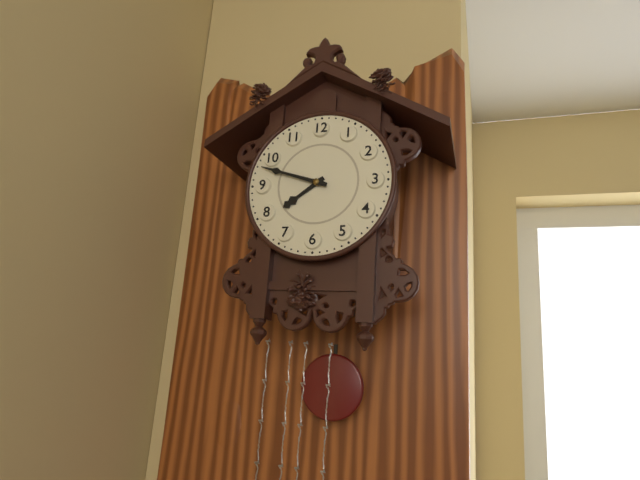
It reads 7:48
